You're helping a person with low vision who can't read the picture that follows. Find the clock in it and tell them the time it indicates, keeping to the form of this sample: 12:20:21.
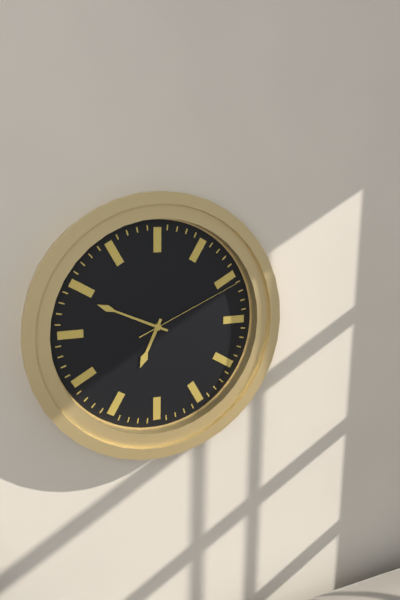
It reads 6:49:11
